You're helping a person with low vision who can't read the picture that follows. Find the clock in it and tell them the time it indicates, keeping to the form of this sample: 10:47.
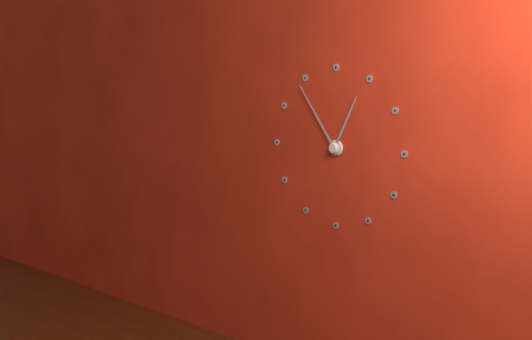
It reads 12:54
